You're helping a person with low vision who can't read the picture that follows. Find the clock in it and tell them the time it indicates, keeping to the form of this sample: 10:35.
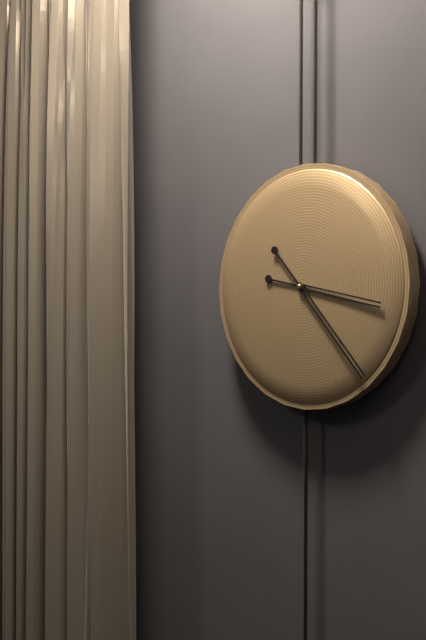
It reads 3:23
